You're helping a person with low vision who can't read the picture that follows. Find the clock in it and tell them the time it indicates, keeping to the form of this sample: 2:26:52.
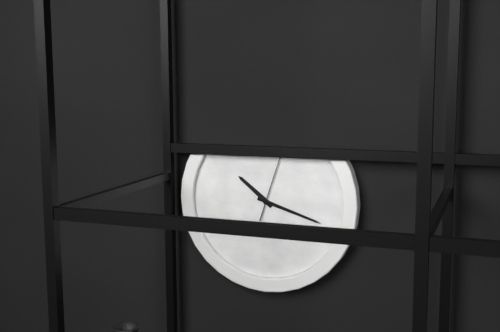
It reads 10:18:03
